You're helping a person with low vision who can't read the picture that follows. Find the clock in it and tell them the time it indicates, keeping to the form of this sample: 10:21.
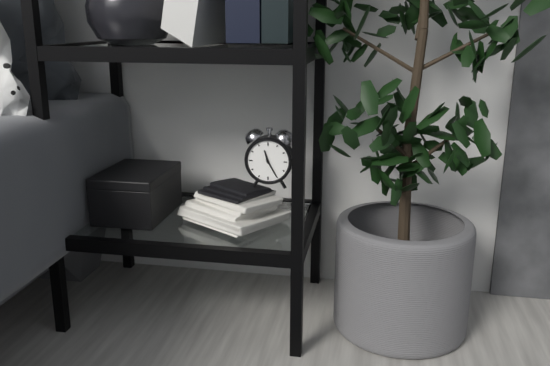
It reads 11:25
